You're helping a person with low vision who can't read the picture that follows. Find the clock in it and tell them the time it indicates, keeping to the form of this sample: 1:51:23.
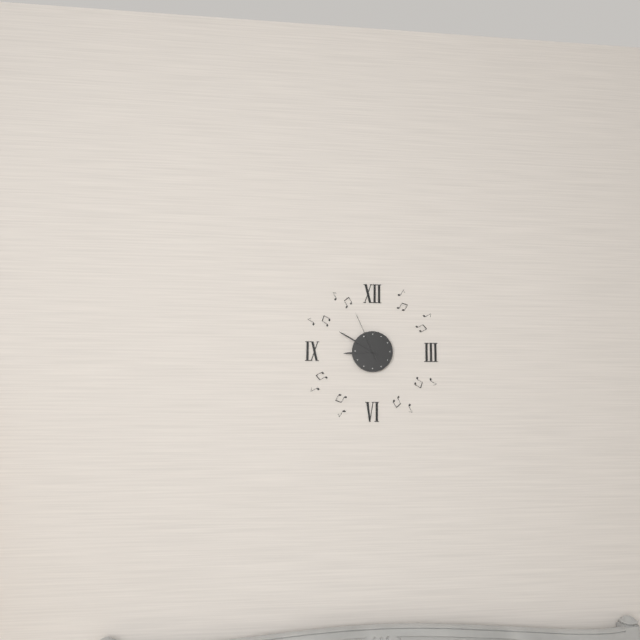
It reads 8:50:56
